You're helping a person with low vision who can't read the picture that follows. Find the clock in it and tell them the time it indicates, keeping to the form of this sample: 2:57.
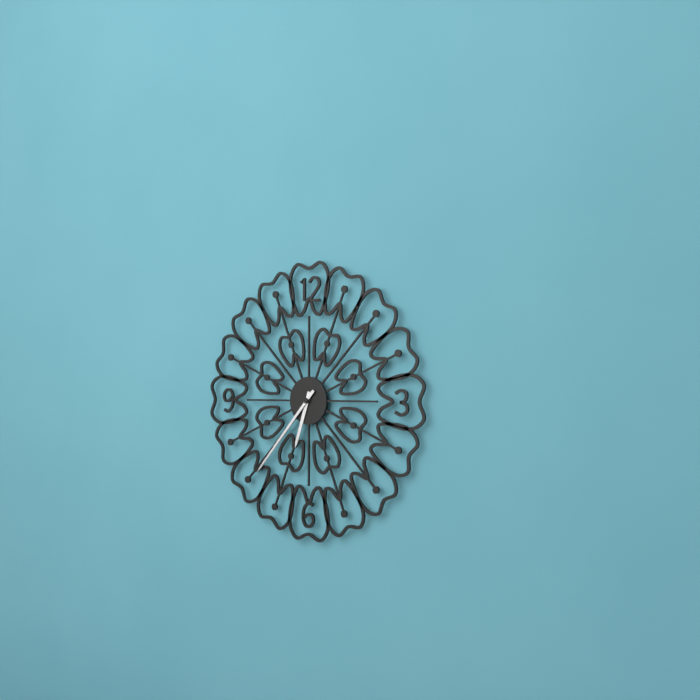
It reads 6:37
